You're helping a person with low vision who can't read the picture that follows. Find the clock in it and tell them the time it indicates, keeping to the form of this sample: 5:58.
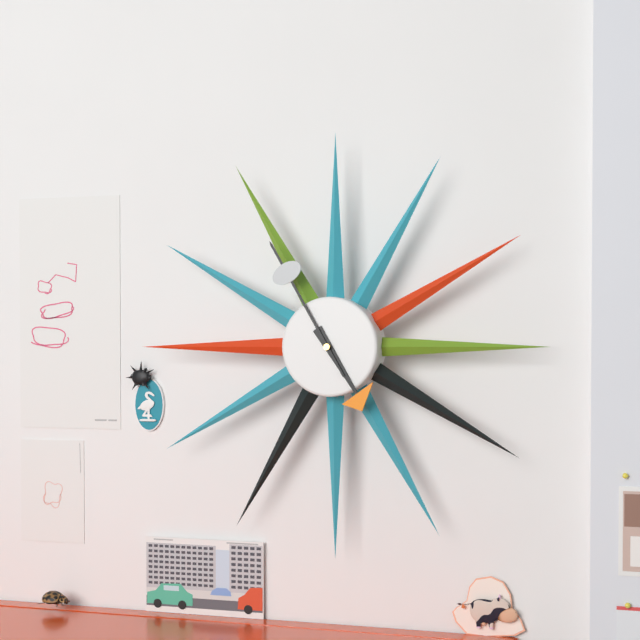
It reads 4:55
